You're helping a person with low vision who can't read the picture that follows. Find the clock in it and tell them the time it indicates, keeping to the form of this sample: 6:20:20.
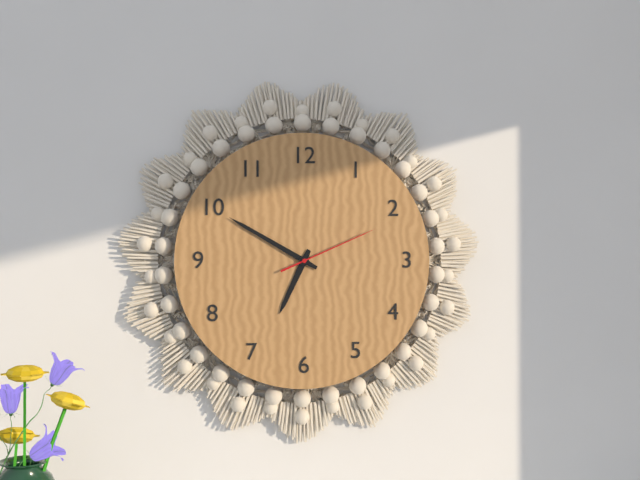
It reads 6:50:11
